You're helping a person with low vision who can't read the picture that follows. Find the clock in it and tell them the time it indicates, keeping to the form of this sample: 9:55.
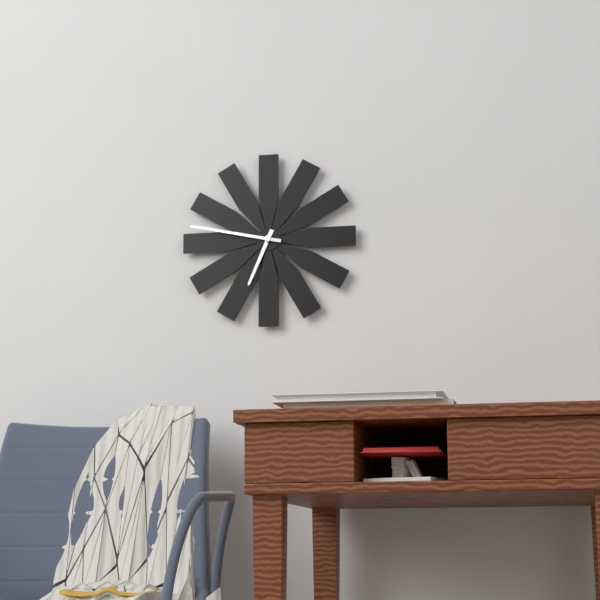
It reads 6:47
